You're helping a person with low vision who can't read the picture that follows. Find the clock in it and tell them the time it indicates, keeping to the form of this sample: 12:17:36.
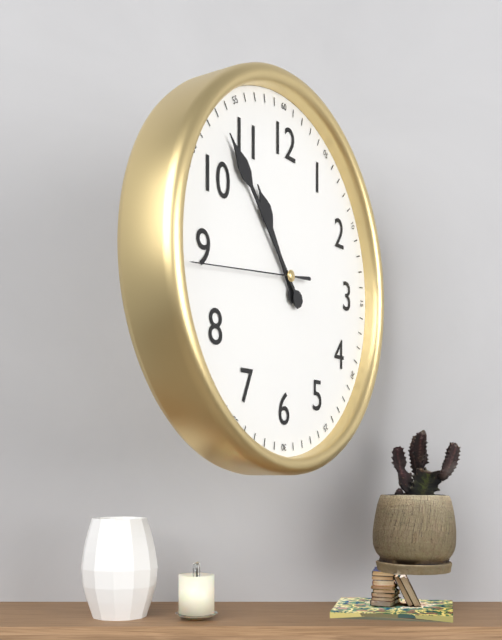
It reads 10:53:44
